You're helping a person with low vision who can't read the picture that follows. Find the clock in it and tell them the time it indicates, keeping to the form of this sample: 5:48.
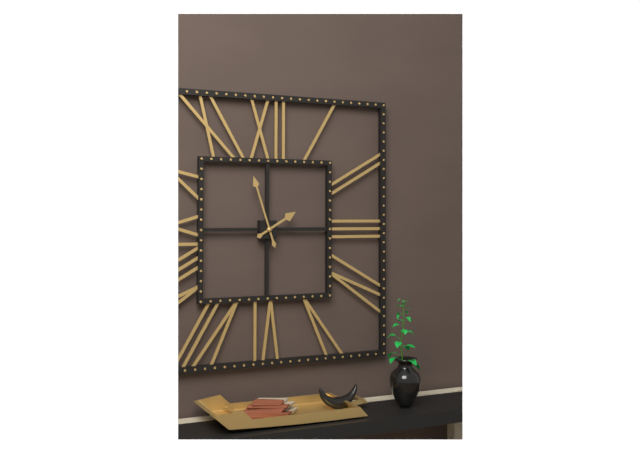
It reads 1:57
